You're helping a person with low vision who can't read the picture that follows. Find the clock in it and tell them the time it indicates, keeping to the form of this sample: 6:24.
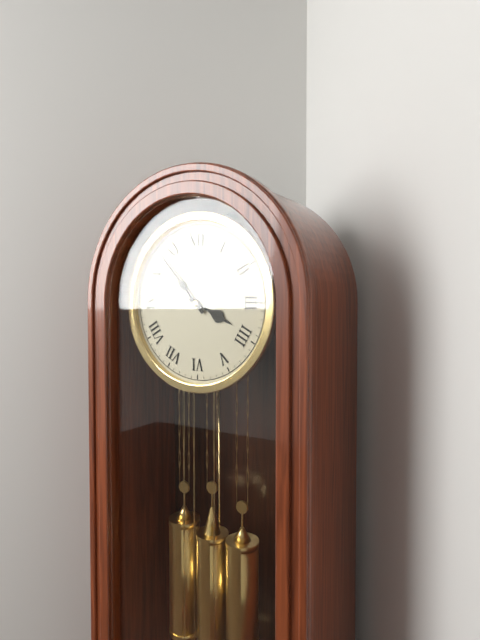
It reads 3:53
